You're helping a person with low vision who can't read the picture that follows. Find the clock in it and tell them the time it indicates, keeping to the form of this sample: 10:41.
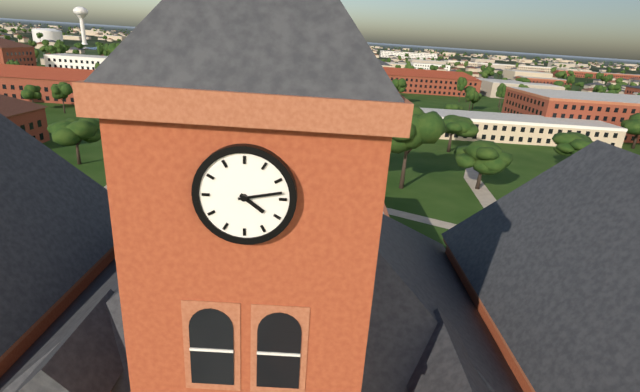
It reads 4:13
